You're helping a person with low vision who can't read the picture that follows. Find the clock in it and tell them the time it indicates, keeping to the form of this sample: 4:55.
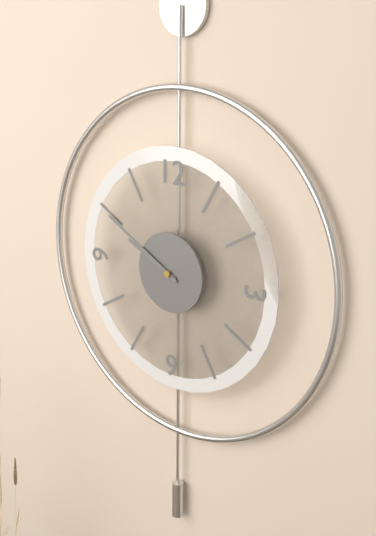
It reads 9:50
